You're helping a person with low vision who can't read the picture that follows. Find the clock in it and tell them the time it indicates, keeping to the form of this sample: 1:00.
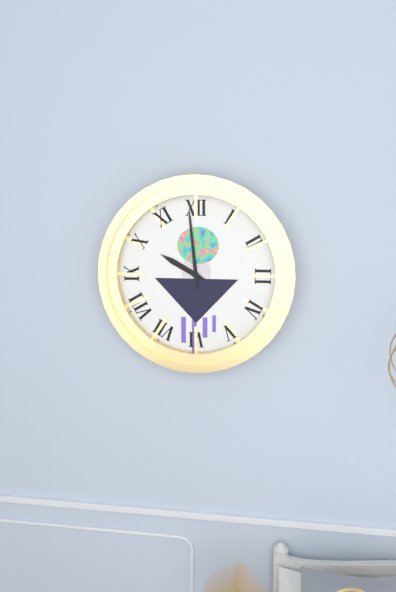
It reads 9:59
